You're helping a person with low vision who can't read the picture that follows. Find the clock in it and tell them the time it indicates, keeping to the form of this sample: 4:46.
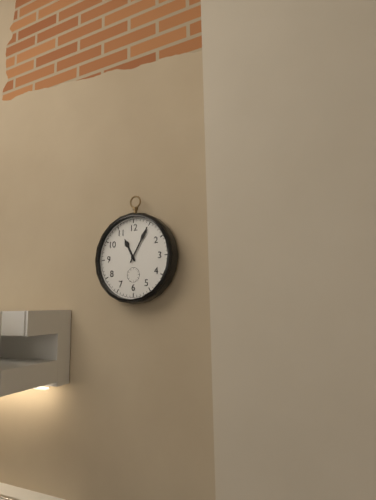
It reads 11:05
